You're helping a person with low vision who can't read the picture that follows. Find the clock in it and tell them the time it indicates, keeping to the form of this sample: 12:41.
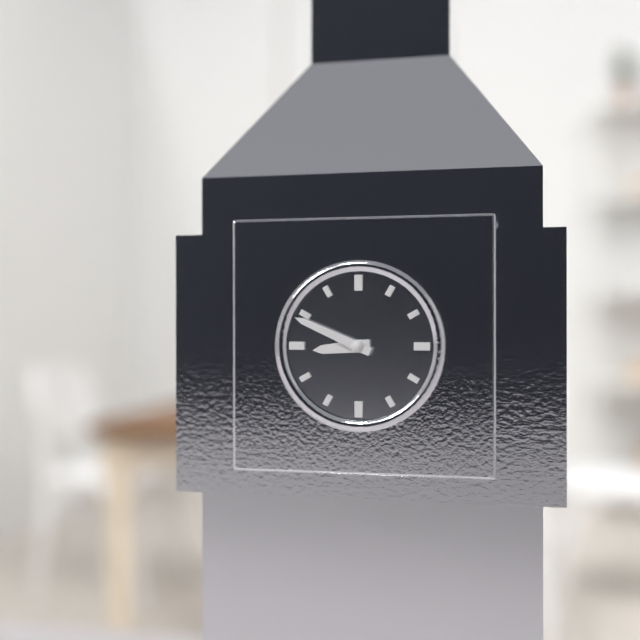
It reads 8:49
